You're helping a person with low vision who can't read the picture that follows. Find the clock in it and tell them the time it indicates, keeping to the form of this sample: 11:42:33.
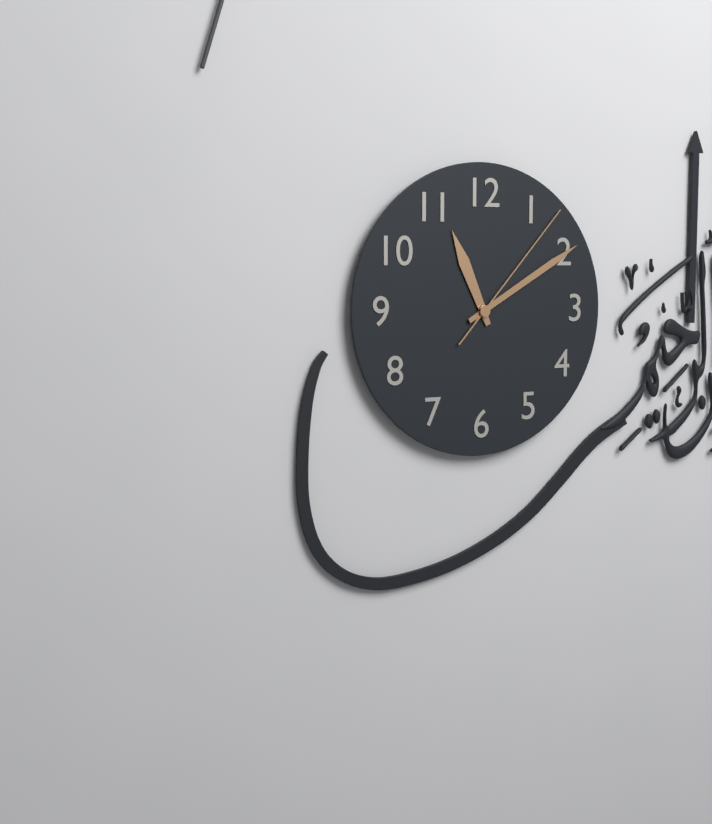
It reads 11:10:07
